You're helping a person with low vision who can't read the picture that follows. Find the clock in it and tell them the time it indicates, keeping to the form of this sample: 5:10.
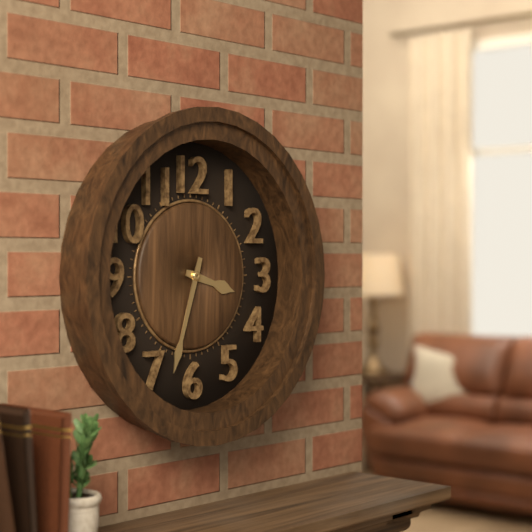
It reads 3:33
